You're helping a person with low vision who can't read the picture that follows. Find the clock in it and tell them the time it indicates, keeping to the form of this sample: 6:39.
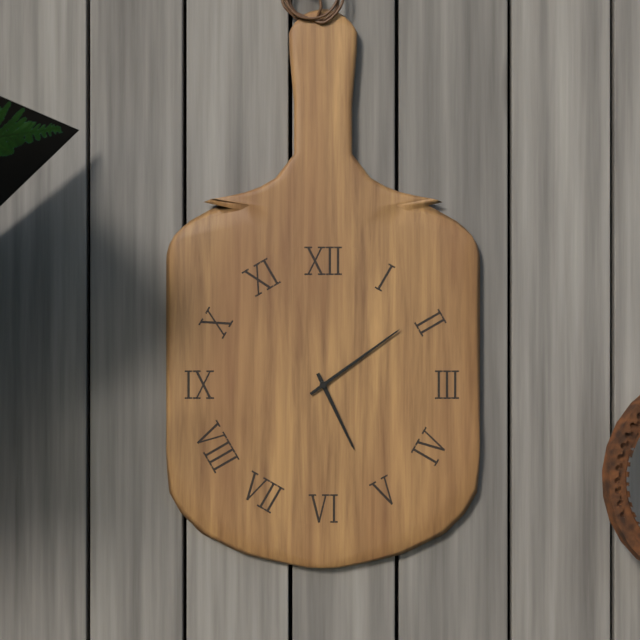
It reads 5:09
